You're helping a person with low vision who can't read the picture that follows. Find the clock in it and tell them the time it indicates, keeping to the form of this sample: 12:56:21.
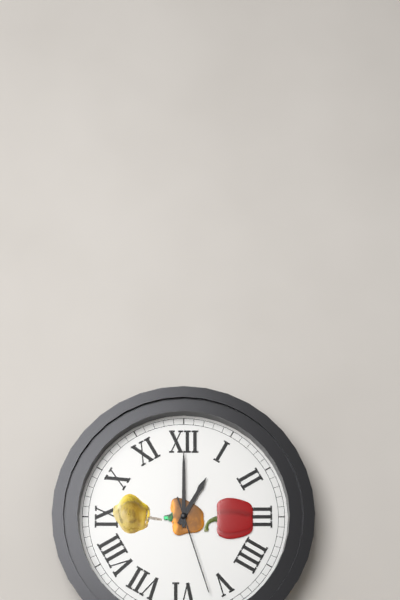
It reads 1:00:27
